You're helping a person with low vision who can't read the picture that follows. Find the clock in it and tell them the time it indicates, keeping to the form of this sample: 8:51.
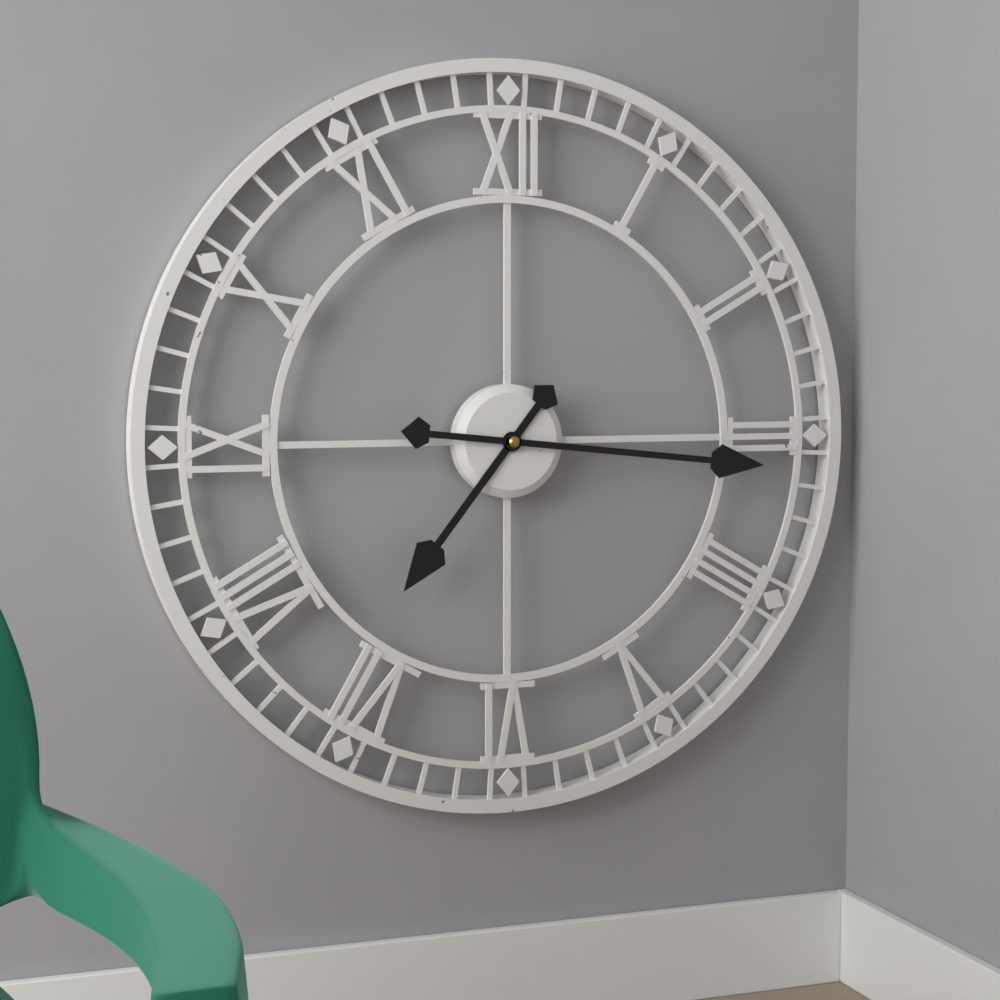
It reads 7:16
